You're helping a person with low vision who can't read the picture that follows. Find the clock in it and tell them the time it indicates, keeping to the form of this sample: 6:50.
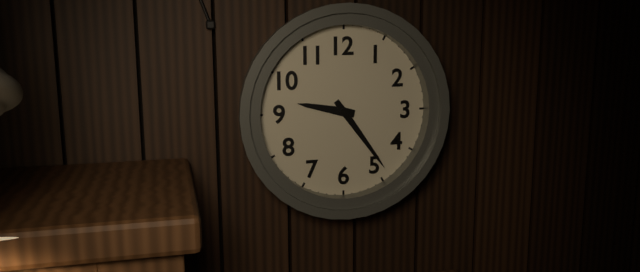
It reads 9:24
